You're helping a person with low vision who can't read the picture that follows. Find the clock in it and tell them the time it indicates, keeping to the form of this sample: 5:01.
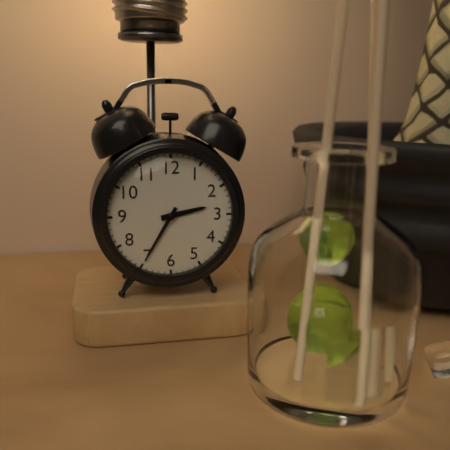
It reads 2:35
